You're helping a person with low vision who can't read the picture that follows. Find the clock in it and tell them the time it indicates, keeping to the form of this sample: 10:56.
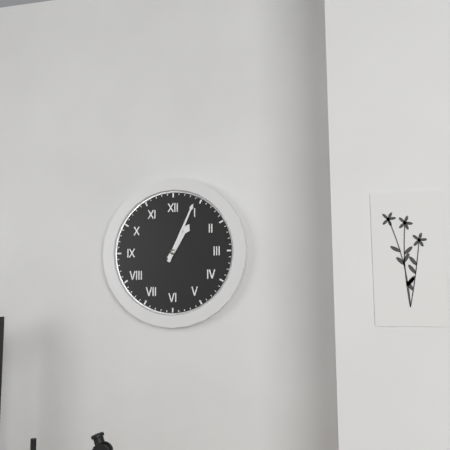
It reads 1:04
